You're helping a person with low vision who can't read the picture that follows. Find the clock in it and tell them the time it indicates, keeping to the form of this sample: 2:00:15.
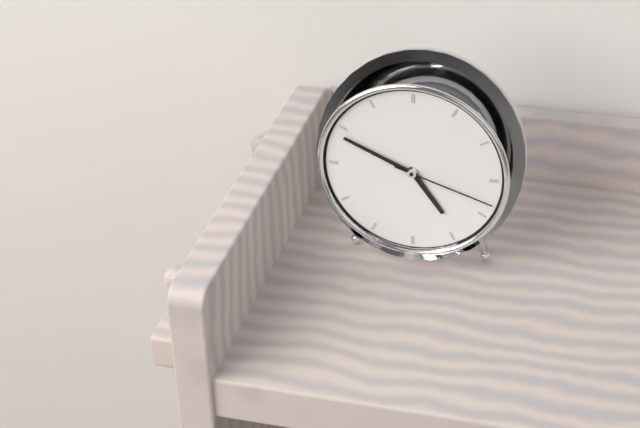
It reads 4:49:18
